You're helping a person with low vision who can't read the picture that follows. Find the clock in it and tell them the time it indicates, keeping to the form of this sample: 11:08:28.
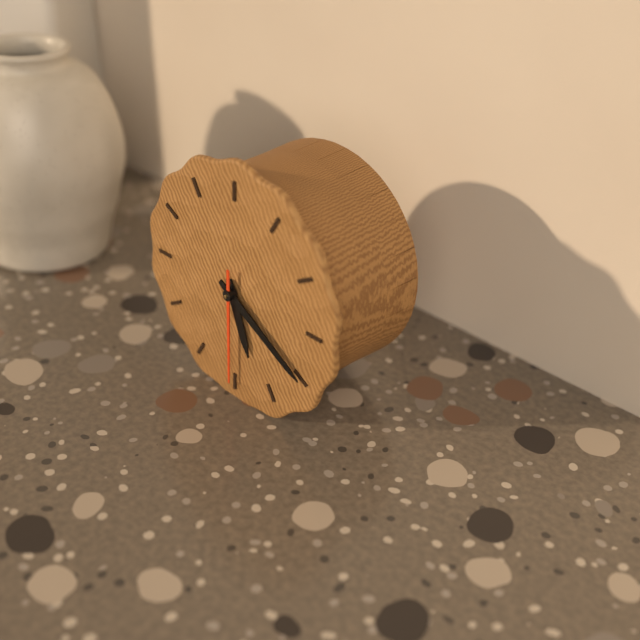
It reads 5:20:30
